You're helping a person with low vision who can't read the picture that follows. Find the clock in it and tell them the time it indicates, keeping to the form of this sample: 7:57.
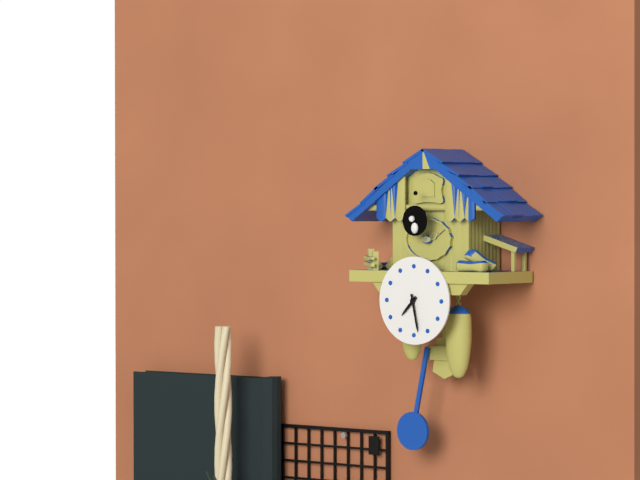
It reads 7:28
